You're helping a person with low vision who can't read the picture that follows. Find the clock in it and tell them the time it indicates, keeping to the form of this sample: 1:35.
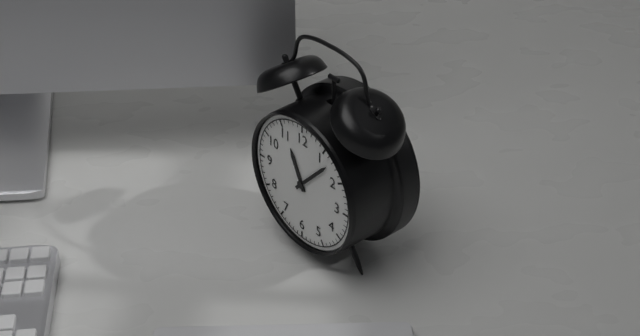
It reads 11:07
